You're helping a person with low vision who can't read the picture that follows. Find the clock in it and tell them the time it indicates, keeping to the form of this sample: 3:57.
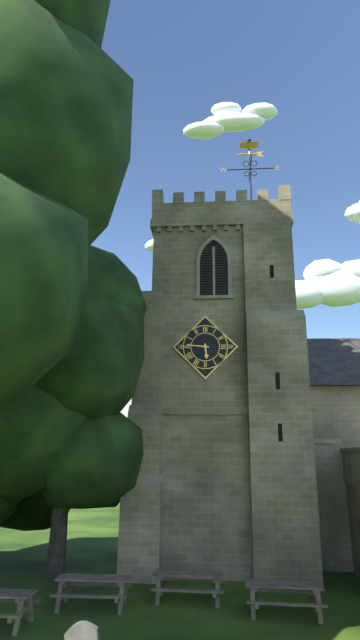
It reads 5:46
